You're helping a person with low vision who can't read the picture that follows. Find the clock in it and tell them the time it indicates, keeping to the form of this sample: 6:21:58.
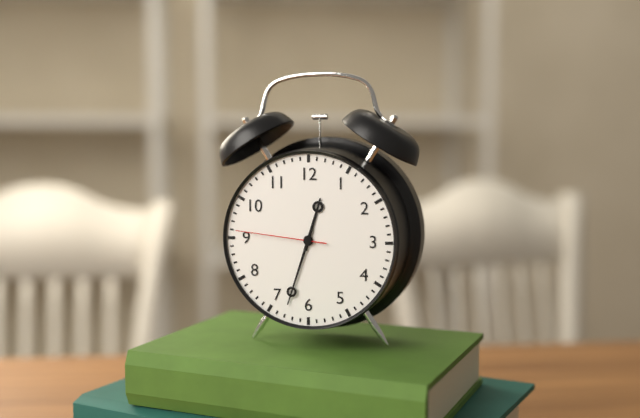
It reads 12:33:46
